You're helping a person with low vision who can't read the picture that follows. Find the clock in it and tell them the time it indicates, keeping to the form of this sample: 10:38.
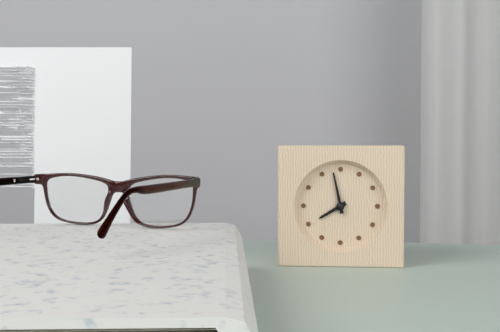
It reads 7:58
